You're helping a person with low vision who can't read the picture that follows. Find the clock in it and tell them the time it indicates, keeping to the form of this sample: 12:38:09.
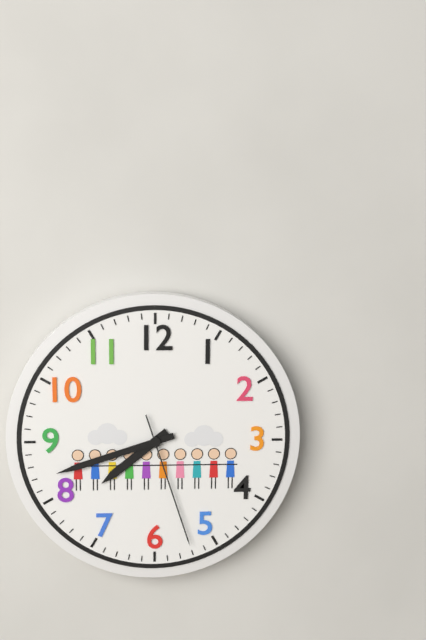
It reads 7:42:27
